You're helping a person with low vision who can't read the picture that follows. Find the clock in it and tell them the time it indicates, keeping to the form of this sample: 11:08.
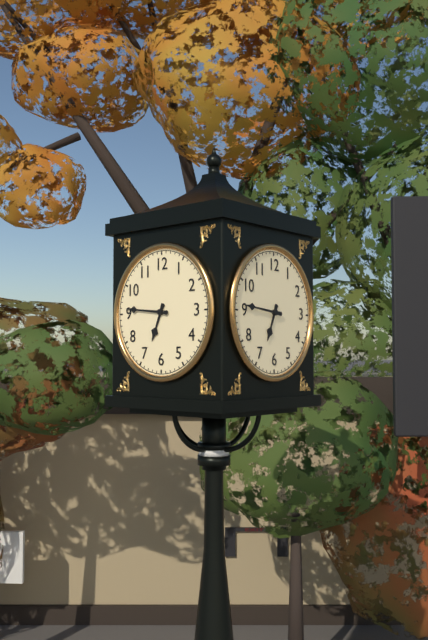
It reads 6:46
